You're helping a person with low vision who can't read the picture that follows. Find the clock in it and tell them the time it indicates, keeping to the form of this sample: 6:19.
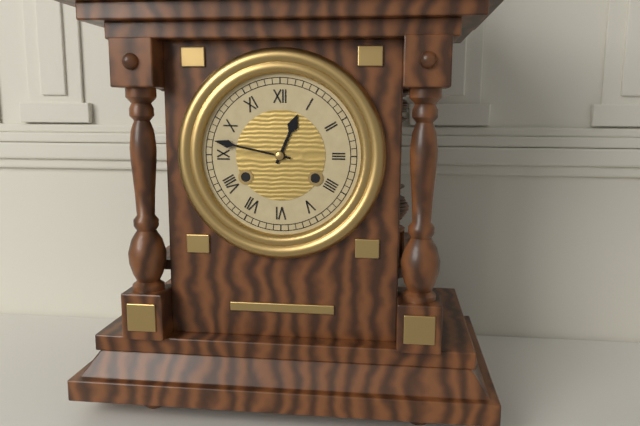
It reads 12:47
